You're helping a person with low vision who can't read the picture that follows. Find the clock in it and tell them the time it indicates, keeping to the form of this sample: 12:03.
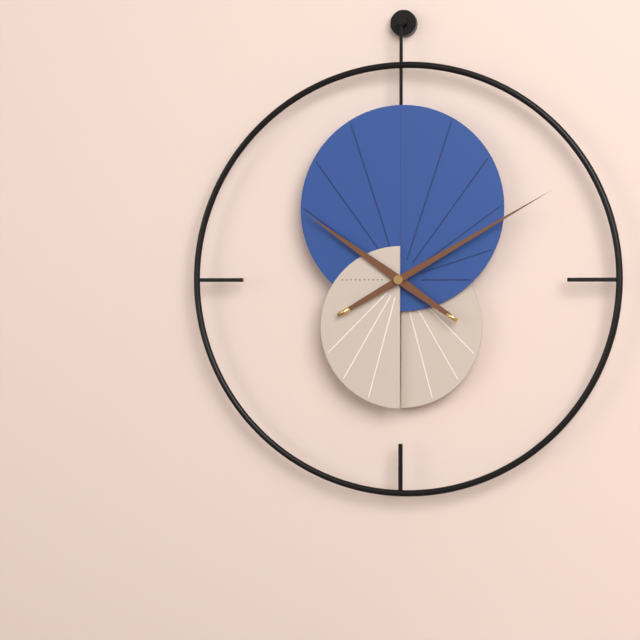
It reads 10:10
